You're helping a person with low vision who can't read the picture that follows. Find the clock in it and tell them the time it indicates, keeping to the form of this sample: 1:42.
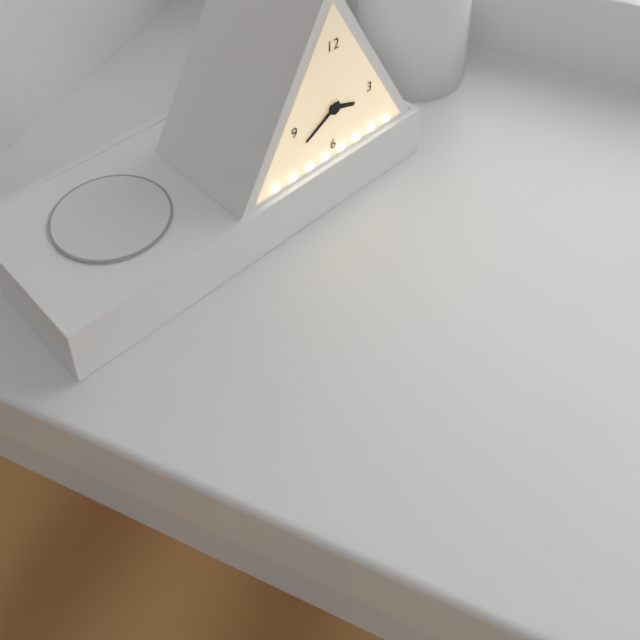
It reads 3:40
